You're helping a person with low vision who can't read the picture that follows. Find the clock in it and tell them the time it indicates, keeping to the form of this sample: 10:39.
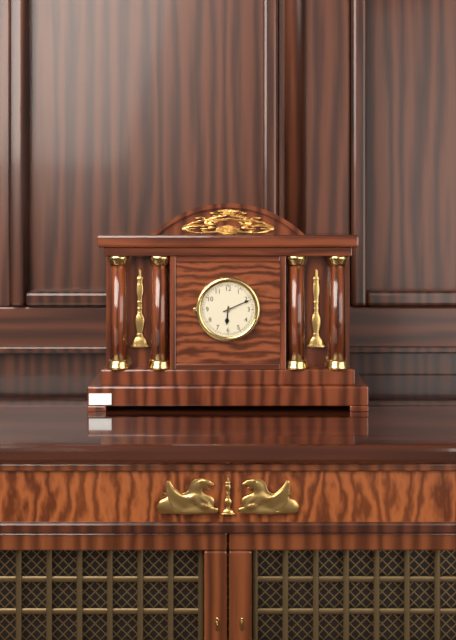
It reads 6:11
